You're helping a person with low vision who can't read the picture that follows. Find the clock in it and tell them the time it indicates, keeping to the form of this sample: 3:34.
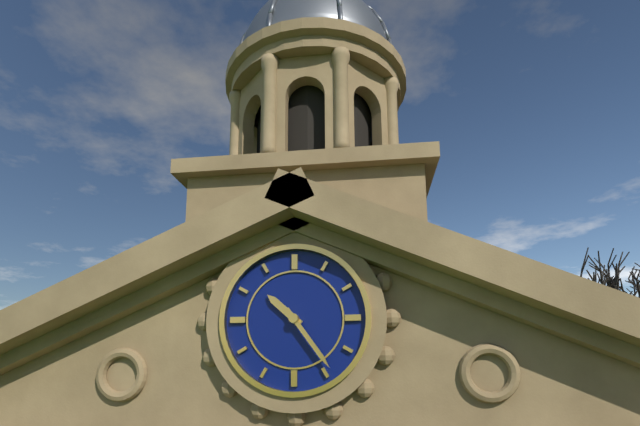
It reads 10:24
